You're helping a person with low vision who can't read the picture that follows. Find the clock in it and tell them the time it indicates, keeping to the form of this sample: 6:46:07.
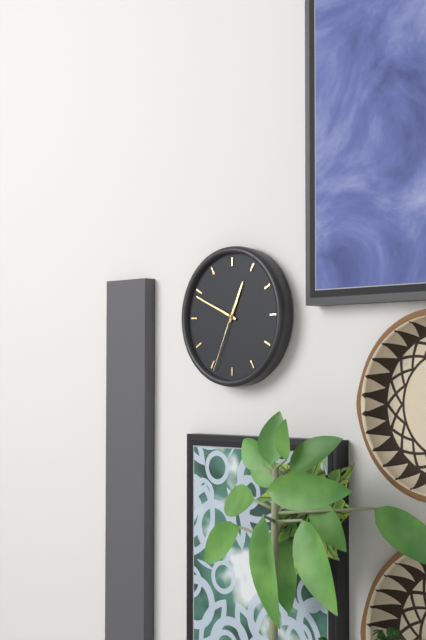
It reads 12:49:34
